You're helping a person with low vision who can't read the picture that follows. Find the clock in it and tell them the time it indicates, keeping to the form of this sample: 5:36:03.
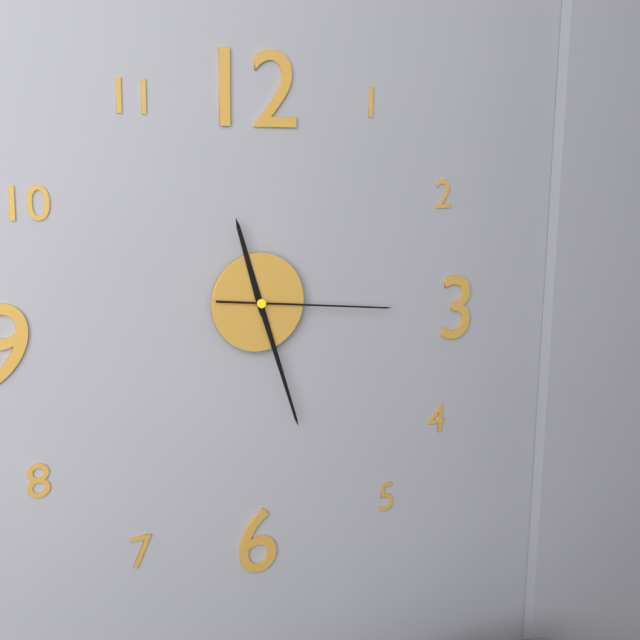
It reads 11:27:16
